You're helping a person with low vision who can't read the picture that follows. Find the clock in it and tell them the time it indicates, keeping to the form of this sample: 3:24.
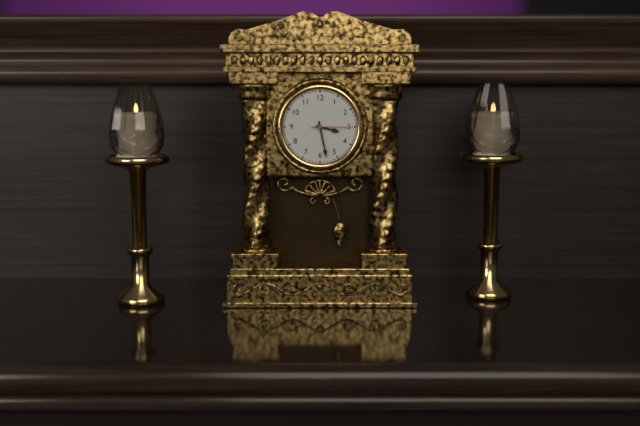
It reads 3:28
